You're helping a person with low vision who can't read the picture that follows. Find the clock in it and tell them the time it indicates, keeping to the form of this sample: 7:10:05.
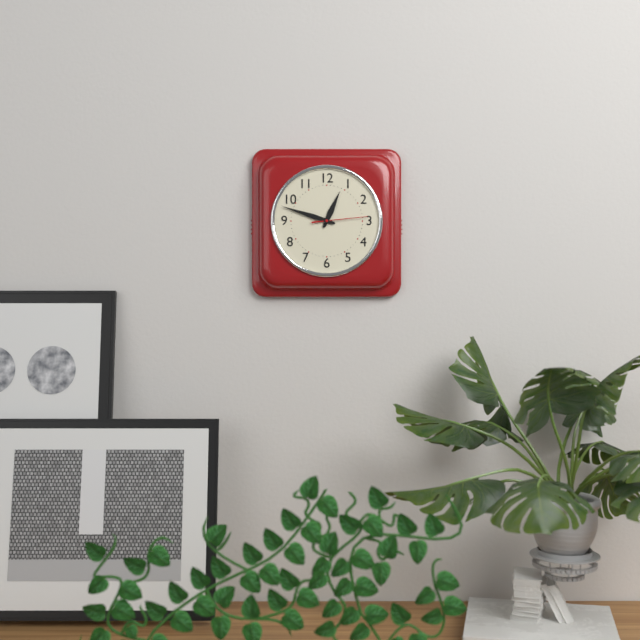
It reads 12:48:14
